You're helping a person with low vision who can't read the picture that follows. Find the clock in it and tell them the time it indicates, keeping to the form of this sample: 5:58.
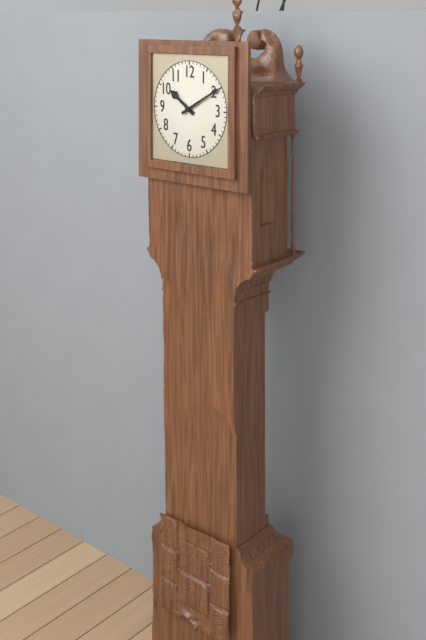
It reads 10:10
